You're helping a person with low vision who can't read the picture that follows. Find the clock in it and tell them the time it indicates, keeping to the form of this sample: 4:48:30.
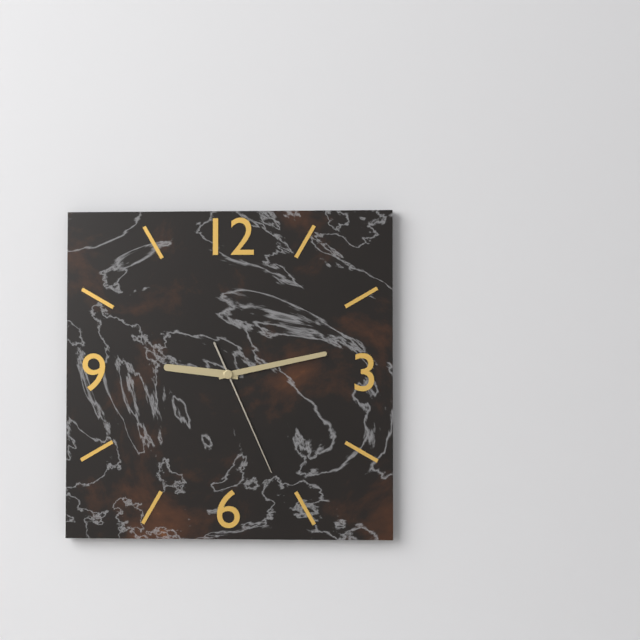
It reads 9:13:26
